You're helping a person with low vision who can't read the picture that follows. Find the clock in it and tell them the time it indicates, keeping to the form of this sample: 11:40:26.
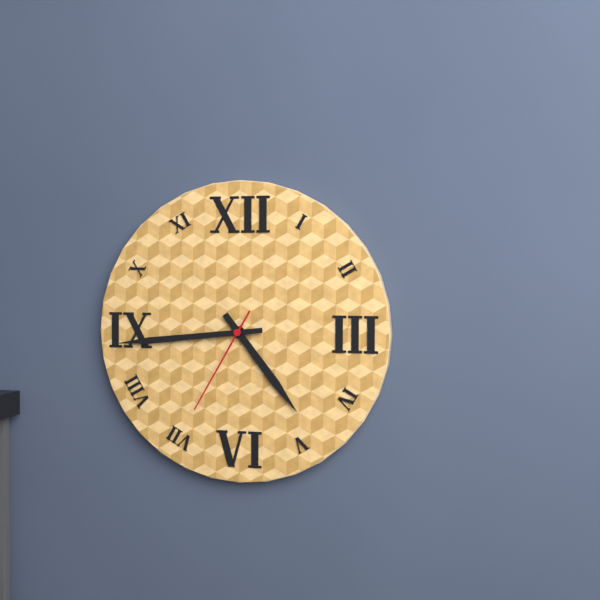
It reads 4:44:35
